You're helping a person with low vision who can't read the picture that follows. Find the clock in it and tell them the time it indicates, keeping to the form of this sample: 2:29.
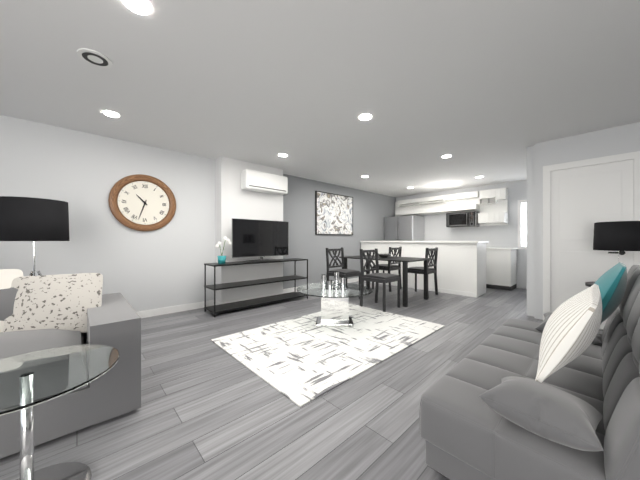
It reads 10:33
